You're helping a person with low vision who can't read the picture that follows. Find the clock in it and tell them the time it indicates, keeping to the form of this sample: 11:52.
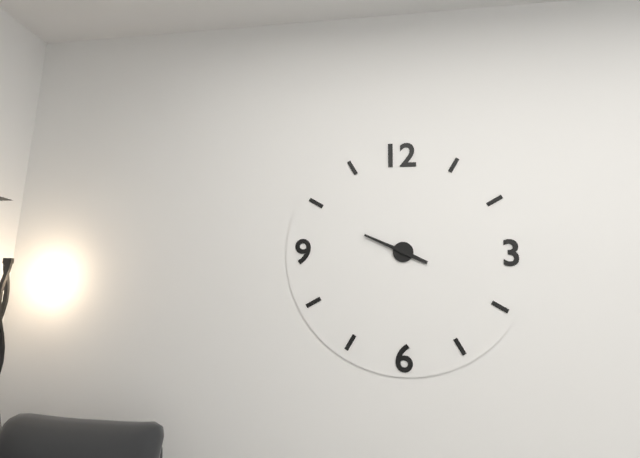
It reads 3:49
